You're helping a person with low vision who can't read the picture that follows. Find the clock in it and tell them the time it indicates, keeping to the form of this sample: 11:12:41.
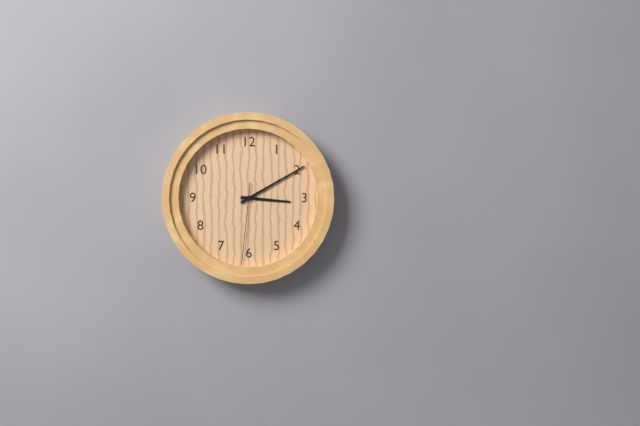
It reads 3:10:31
